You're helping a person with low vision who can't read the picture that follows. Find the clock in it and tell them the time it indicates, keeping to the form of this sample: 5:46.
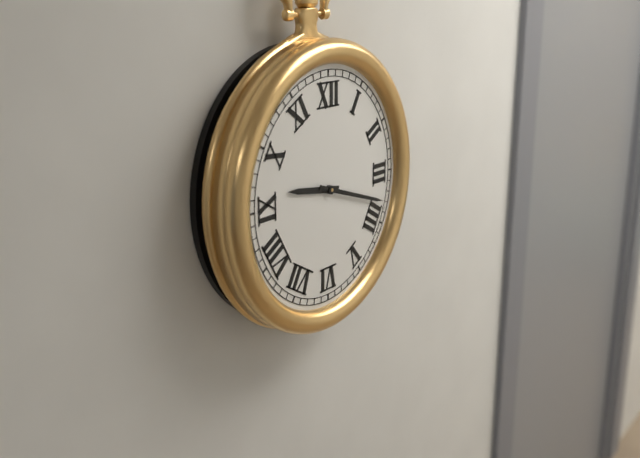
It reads 9:18
